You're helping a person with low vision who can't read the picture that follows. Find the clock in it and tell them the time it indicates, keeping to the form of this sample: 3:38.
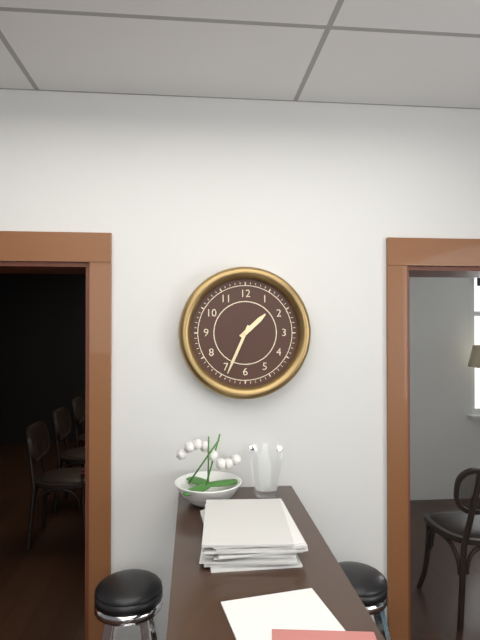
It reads 1:34
